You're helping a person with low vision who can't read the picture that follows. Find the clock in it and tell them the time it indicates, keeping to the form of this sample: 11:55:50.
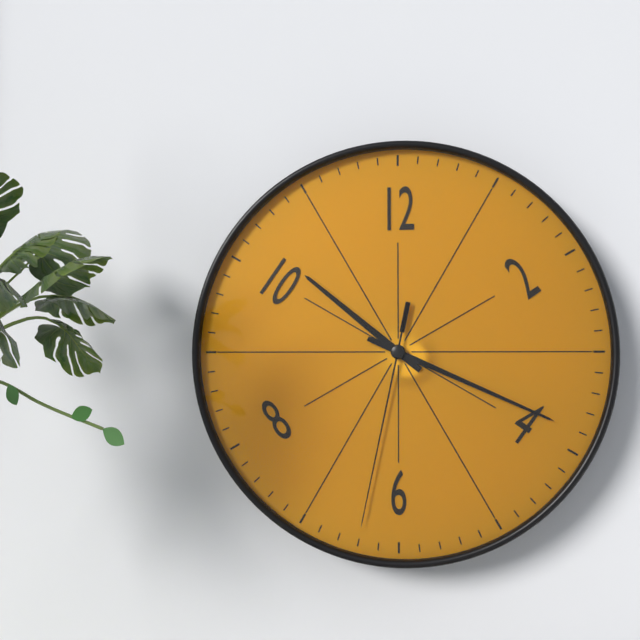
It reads 10:19:32
